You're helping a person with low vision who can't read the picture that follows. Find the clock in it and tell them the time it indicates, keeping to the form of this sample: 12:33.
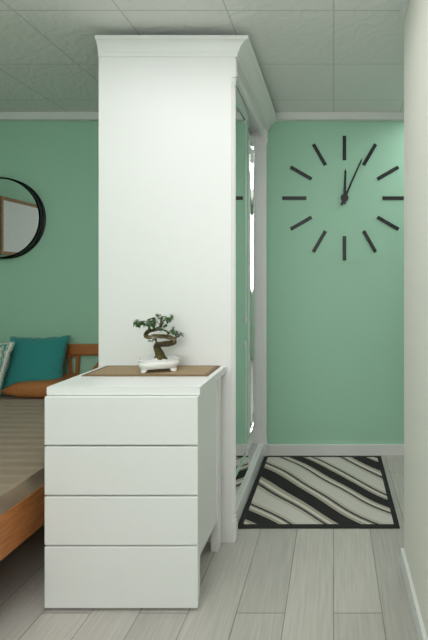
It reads 12:04
